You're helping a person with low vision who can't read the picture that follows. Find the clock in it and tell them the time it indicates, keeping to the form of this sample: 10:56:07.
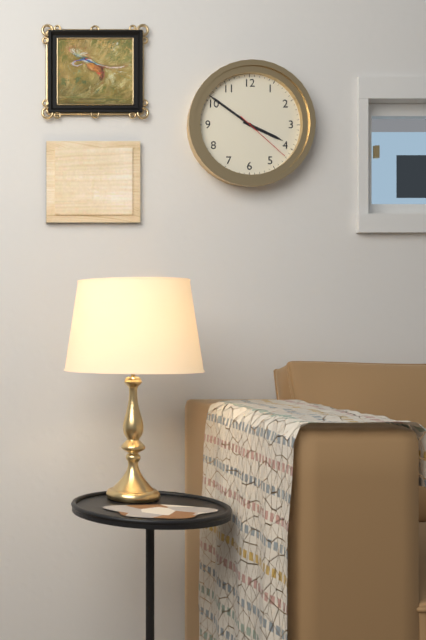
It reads 3:51:22
